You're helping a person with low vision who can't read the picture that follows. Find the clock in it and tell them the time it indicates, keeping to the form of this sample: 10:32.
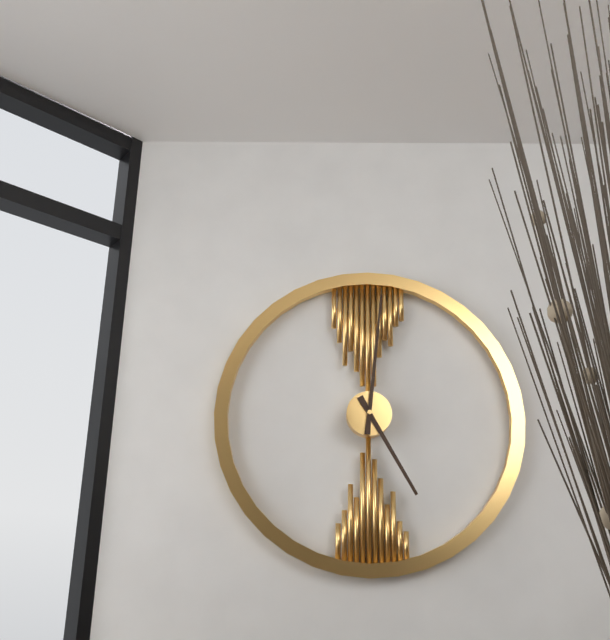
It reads 5:01
